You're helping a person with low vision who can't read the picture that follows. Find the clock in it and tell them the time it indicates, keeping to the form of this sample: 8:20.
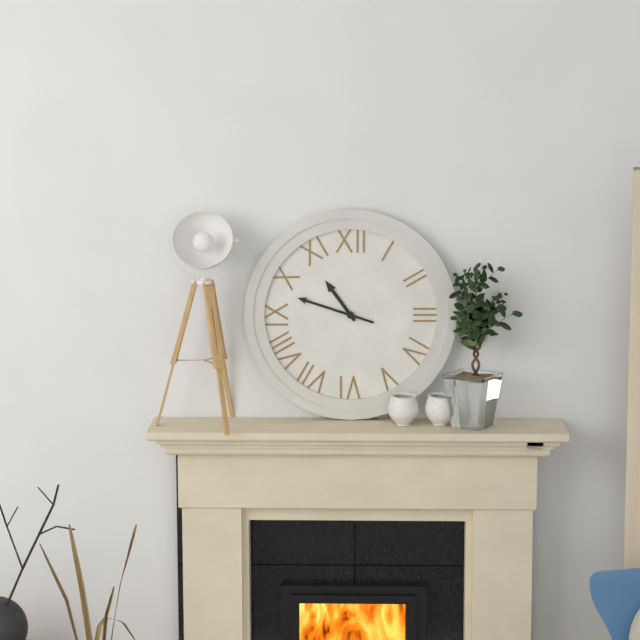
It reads 10:48
